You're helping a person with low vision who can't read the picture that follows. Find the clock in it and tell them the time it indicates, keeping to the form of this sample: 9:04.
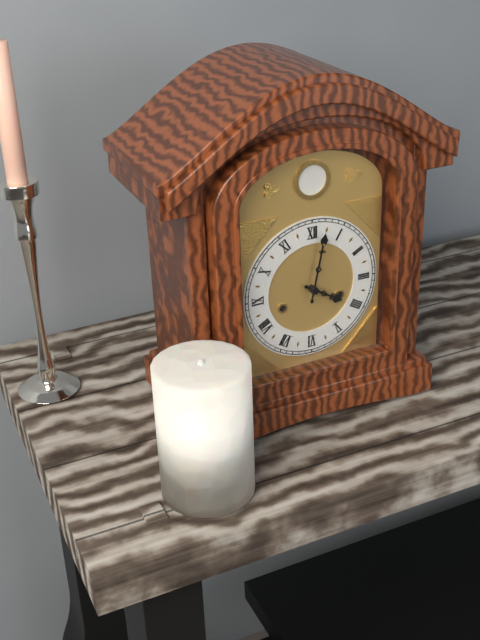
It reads 4:02
